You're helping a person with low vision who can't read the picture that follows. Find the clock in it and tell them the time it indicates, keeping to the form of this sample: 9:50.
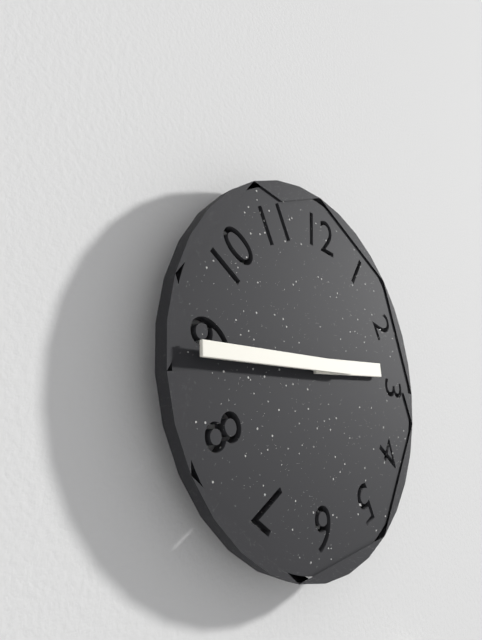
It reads 2:44
